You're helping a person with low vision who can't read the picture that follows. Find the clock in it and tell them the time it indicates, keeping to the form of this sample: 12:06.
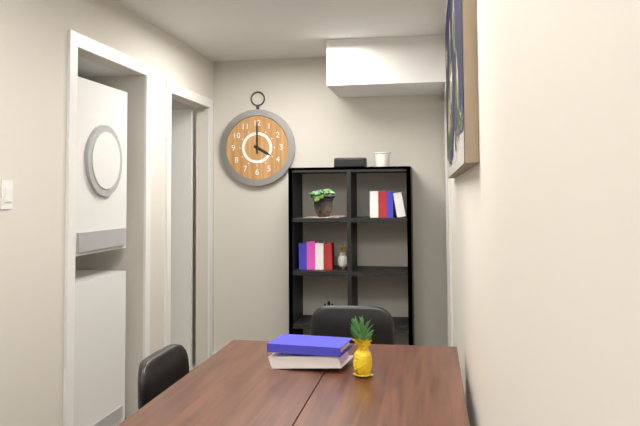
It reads 4:00
